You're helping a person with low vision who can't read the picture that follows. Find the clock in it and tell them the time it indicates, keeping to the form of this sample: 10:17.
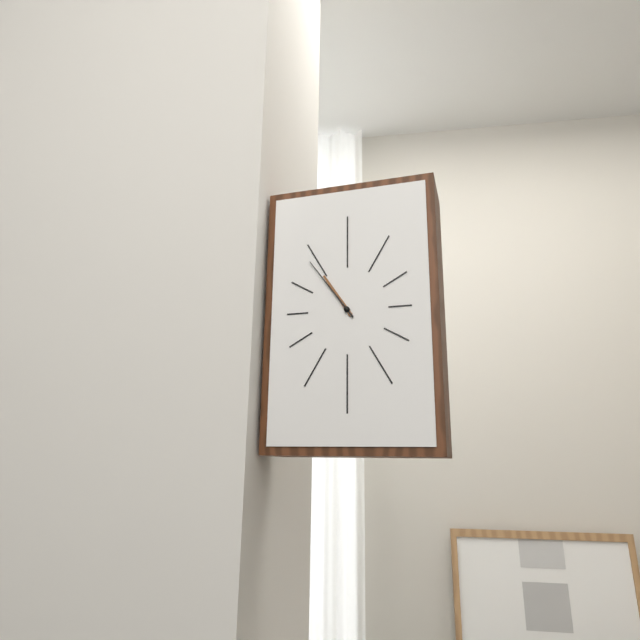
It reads 10:54
